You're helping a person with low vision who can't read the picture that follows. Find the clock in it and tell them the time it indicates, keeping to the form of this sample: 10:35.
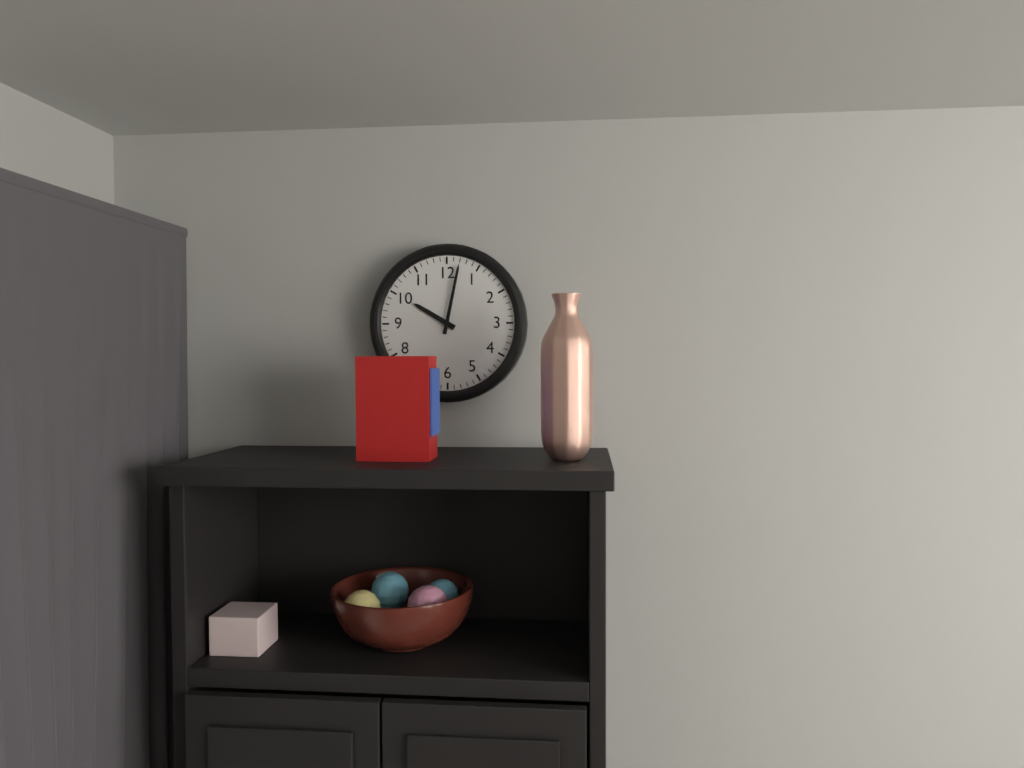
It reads 10:02
